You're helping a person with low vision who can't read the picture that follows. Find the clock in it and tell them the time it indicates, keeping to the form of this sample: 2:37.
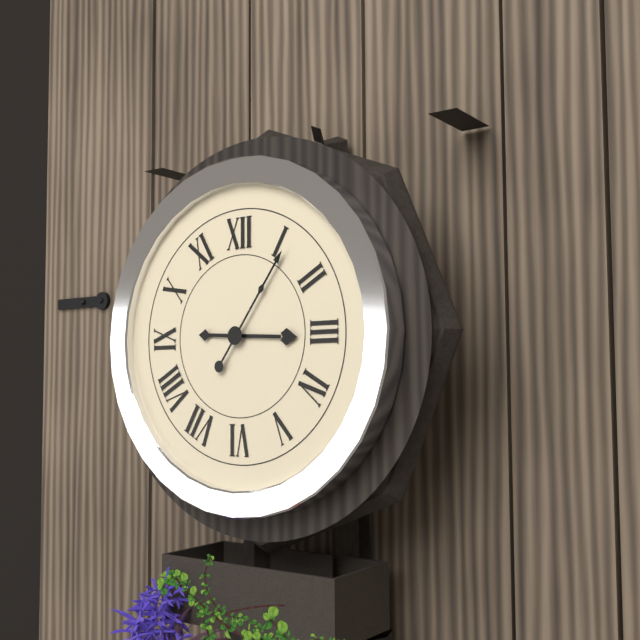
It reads 3:06
